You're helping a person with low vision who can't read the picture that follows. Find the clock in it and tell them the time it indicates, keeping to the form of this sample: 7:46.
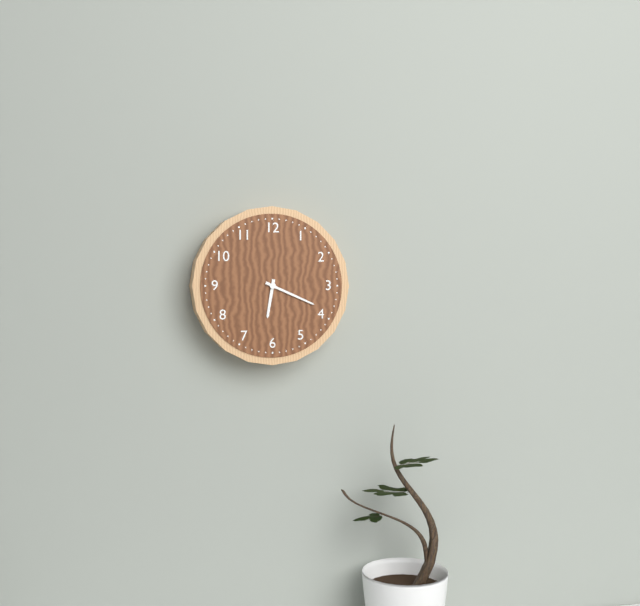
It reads 6:19
